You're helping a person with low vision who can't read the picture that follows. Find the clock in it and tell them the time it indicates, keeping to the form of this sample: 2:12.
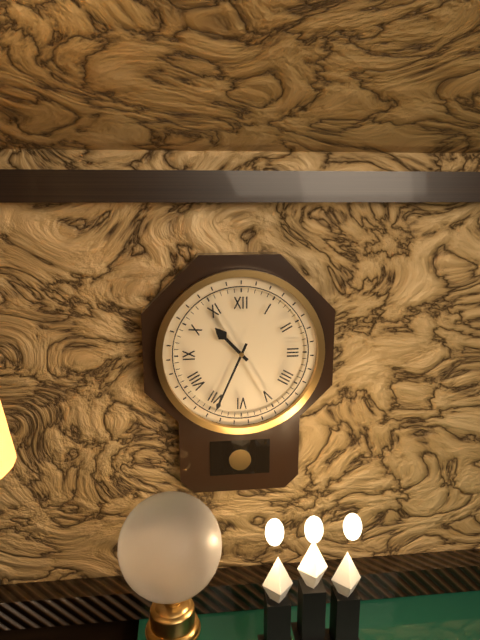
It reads 10:34
